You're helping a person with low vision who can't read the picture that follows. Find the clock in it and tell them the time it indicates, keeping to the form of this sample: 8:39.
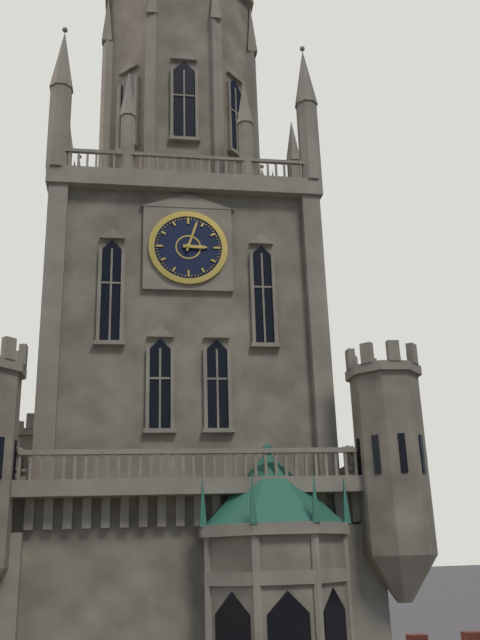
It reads 3:03
